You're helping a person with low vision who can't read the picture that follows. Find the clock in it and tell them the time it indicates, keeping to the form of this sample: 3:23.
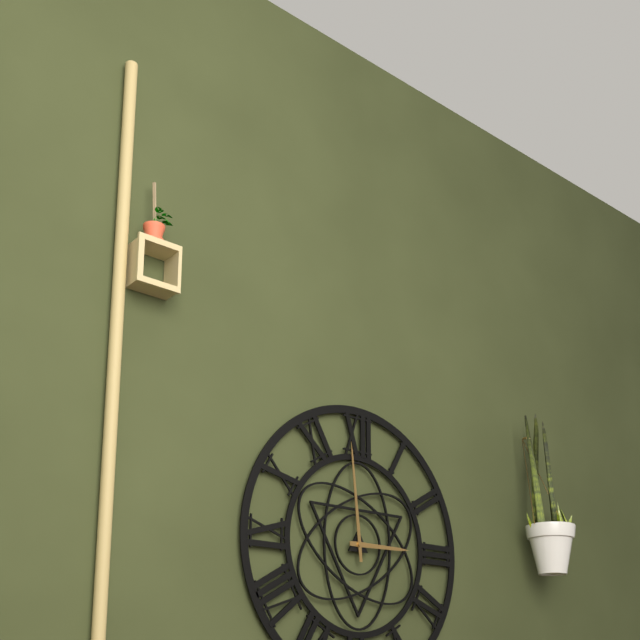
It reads 2:59
